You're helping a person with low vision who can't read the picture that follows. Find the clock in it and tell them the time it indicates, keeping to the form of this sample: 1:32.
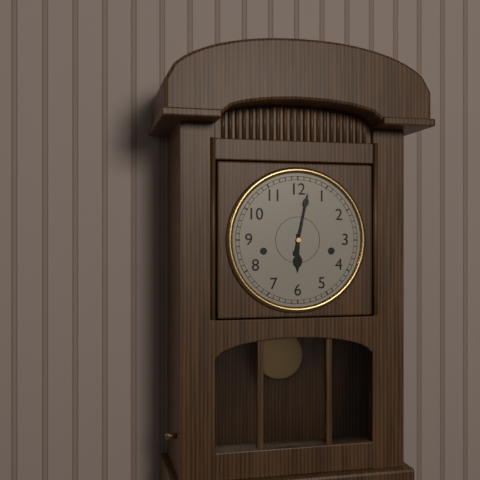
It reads 6:02
